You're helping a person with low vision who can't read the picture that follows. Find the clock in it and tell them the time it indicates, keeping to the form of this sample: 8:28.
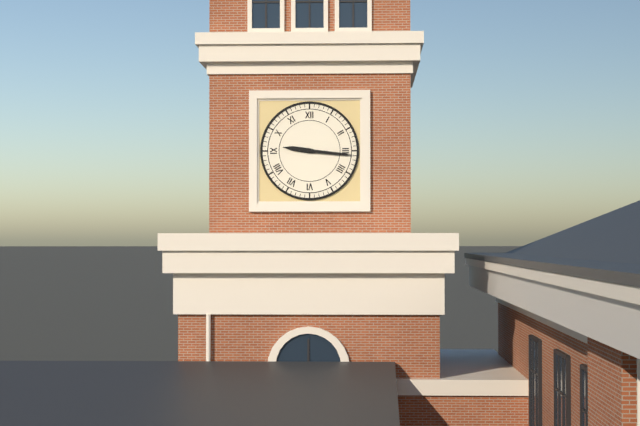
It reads 9:16
